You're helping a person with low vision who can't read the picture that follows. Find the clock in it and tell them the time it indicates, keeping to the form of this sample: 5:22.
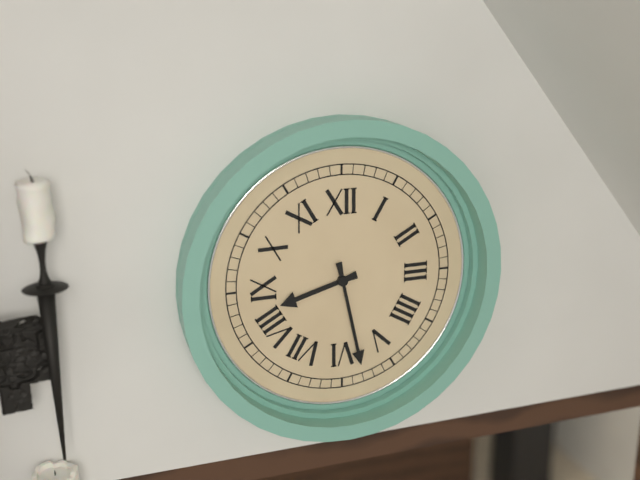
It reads 8:28
